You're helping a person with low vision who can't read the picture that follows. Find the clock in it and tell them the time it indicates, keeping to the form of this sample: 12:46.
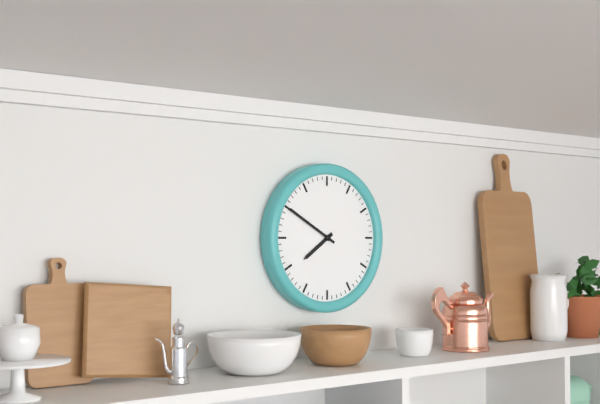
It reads 7:50
